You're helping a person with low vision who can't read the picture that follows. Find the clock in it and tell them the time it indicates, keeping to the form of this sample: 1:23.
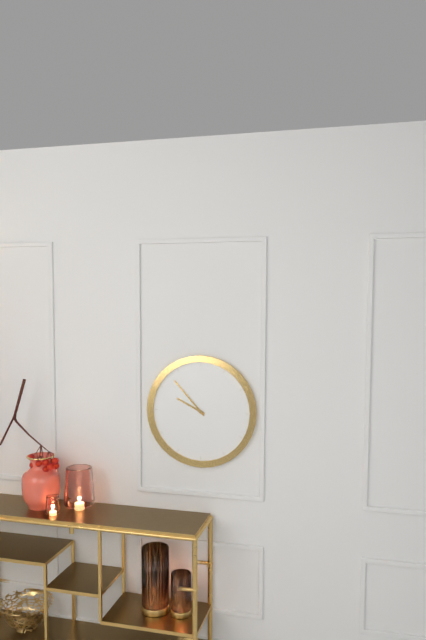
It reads 9:53
